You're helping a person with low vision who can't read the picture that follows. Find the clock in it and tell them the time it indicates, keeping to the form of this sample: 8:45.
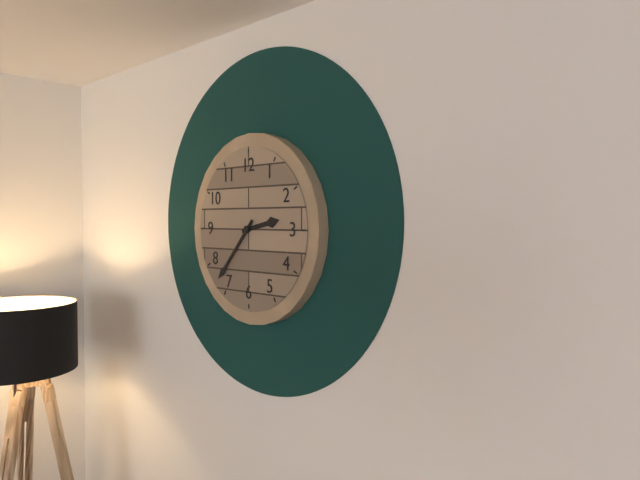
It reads 2:37
